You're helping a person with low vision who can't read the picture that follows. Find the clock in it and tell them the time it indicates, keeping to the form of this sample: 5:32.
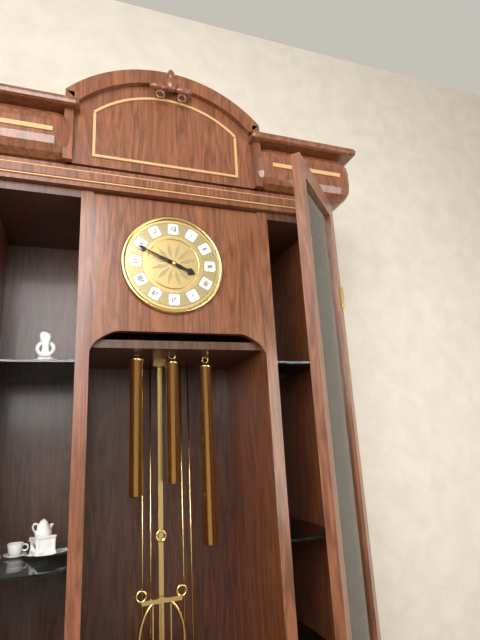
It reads 3:49
